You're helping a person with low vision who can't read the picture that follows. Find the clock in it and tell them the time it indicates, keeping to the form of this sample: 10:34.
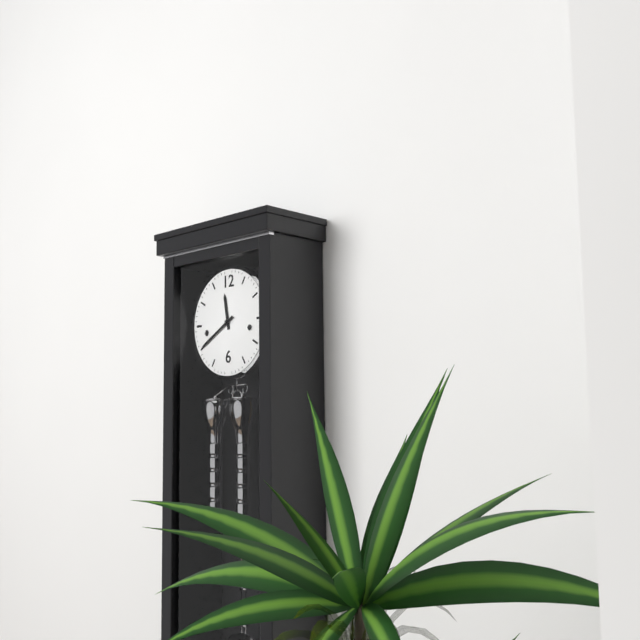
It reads 11:40
